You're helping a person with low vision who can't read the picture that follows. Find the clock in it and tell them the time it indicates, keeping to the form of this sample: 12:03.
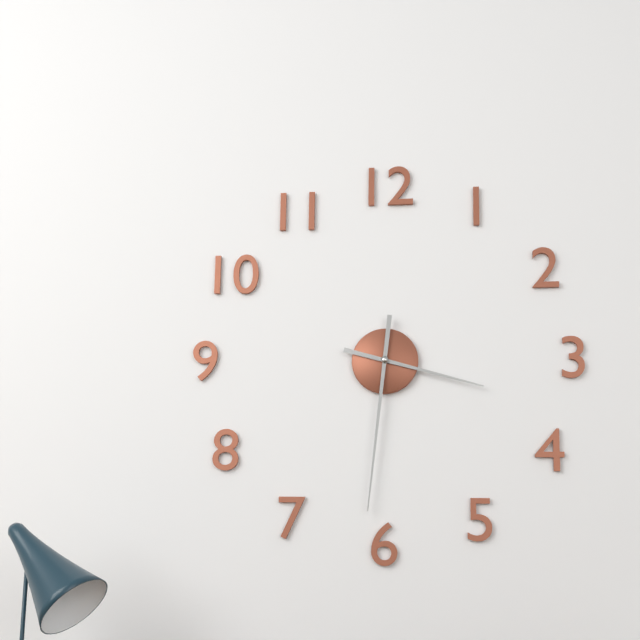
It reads 3:31
